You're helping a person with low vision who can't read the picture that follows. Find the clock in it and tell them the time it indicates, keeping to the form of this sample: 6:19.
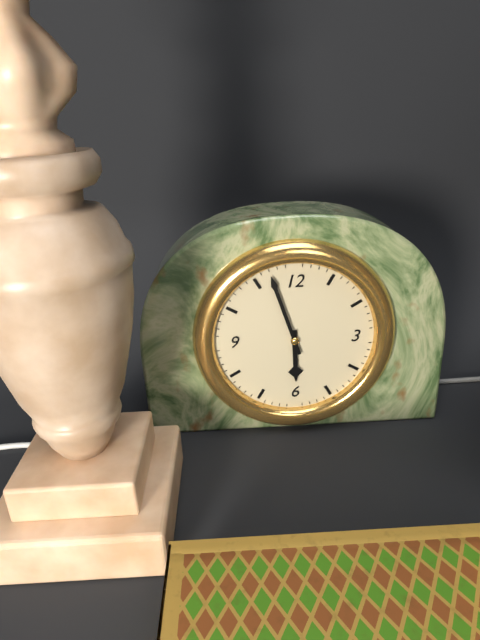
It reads 5:57
